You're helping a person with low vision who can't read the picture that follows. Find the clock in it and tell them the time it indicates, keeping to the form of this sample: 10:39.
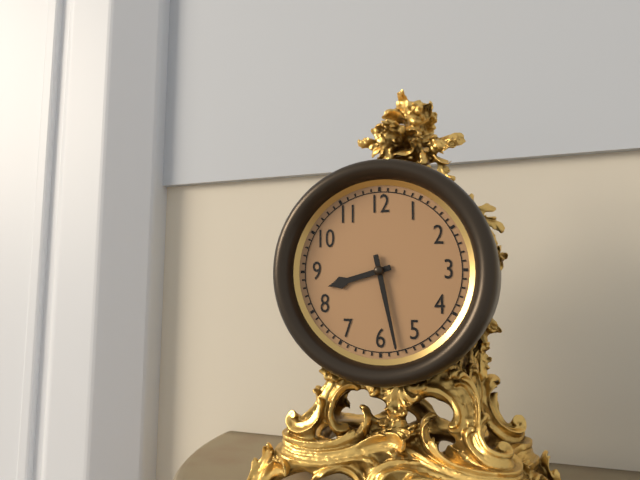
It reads 8:28
